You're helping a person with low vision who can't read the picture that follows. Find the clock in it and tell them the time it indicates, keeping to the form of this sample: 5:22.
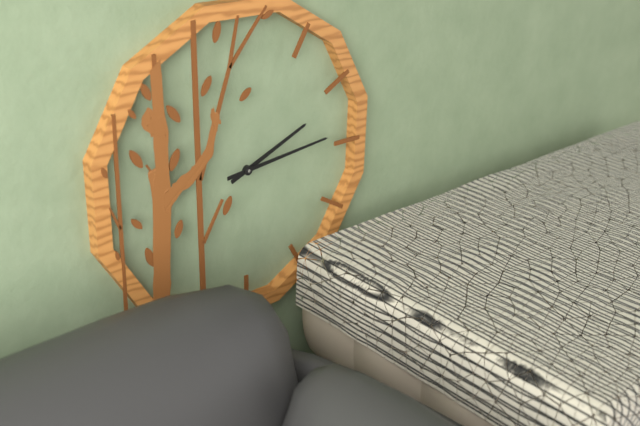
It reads 2:14
